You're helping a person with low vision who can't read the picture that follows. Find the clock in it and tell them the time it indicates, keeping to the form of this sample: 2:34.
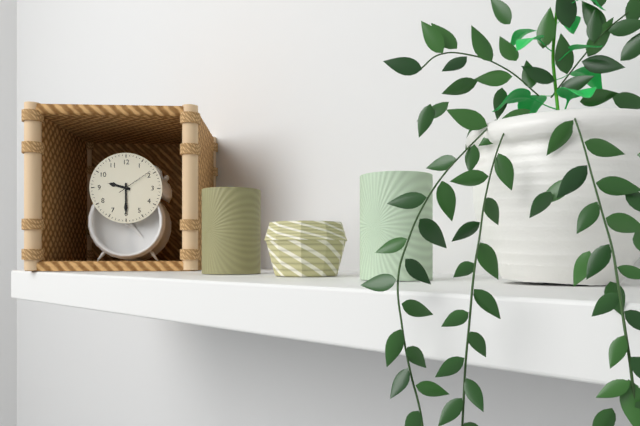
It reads 9:30
